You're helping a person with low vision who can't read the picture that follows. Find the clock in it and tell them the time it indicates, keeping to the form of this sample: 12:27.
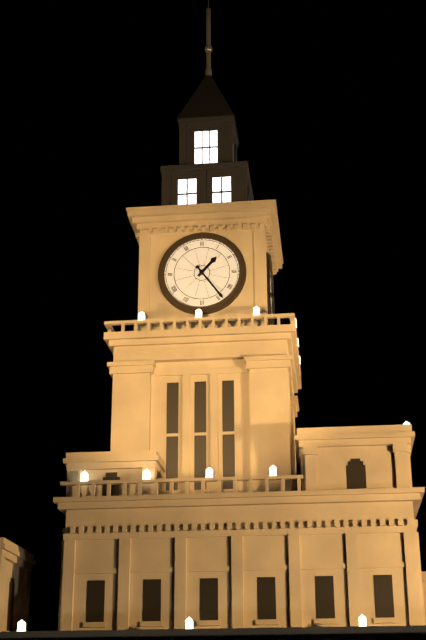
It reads 1:24
